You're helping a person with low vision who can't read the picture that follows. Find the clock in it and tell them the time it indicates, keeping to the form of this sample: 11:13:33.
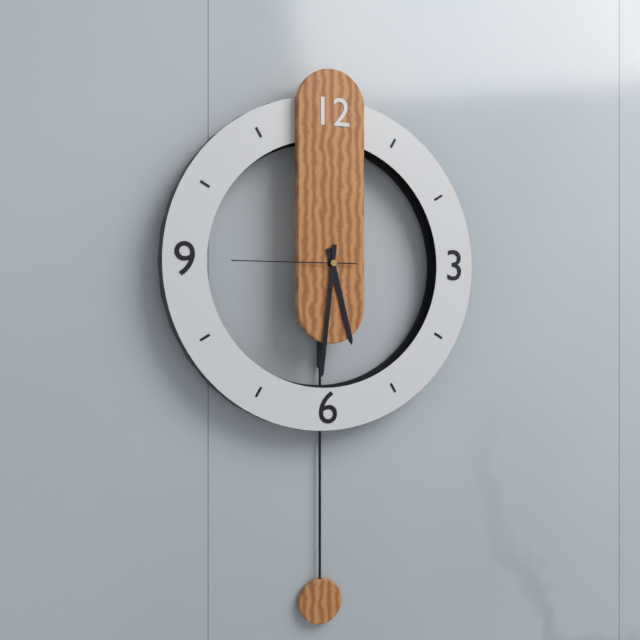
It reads 5:31:45
